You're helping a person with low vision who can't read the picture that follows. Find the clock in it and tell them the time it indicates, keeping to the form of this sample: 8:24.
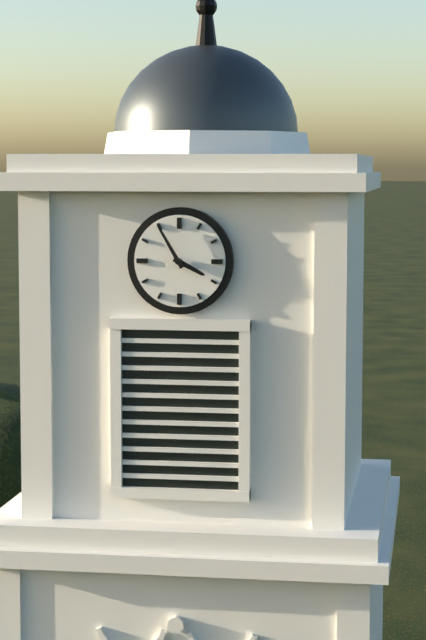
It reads 3:55
